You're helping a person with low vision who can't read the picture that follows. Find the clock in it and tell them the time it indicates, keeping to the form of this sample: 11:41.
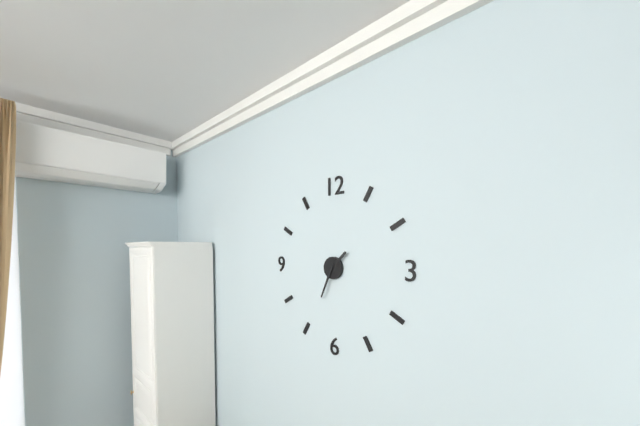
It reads 1:34
